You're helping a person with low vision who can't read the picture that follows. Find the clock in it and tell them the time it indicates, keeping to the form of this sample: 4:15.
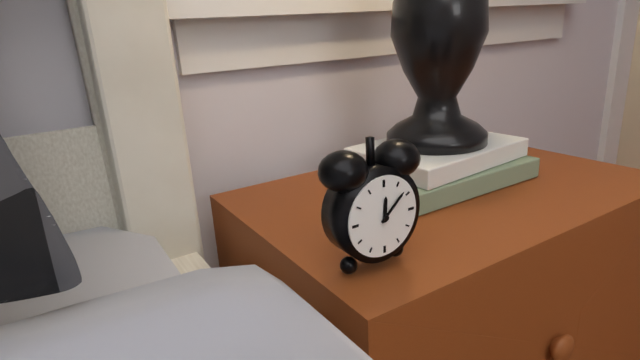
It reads 12:08
